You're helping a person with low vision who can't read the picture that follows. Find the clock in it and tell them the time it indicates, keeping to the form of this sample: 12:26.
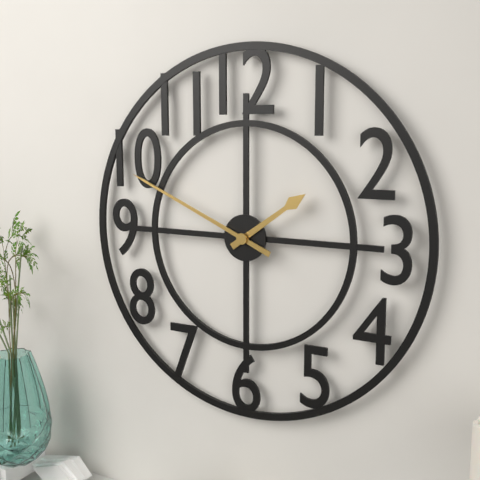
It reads 1:49
